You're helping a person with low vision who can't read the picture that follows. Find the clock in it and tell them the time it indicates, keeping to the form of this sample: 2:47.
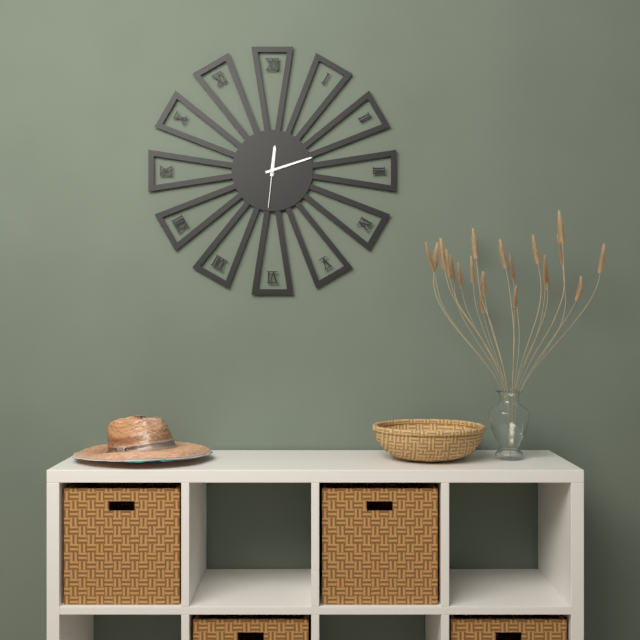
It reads 12:12
